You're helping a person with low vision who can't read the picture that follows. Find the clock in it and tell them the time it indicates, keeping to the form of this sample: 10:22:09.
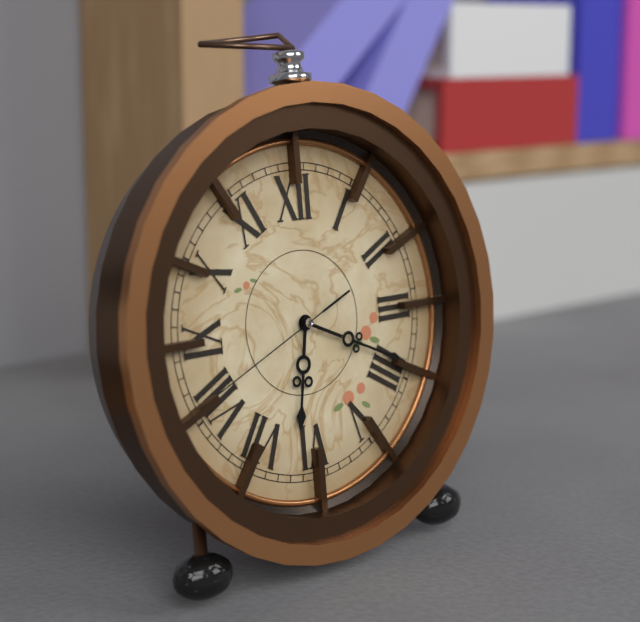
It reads 6:19:41
